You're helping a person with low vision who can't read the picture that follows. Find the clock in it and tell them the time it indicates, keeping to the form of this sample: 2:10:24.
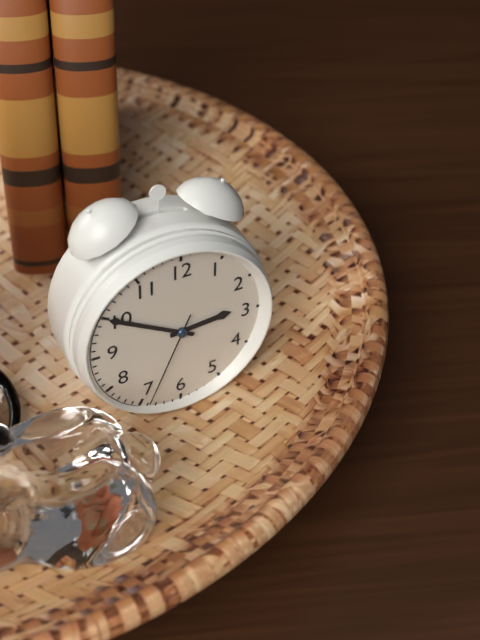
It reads 2:50:34
